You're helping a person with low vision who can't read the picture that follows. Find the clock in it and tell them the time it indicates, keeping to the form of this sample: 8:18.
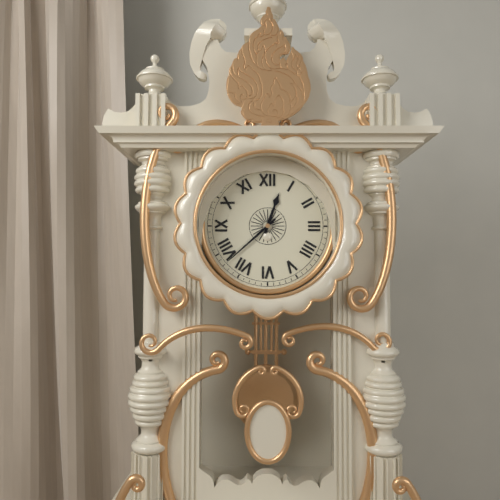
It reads 12:38
